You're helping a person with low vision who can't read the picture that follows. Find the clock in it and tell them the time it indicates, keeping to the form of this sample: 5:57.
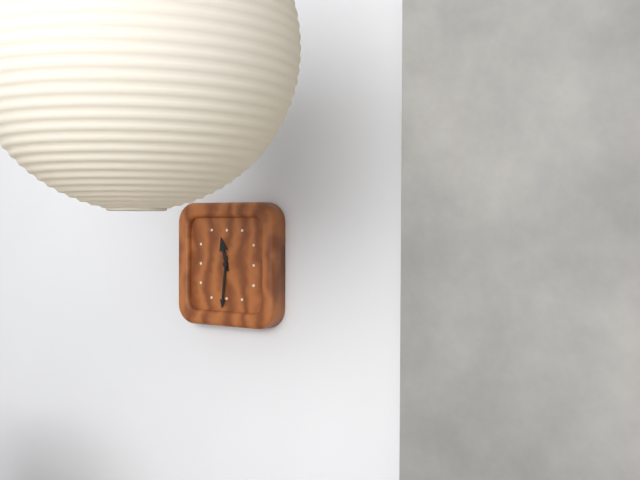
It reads 11:31
